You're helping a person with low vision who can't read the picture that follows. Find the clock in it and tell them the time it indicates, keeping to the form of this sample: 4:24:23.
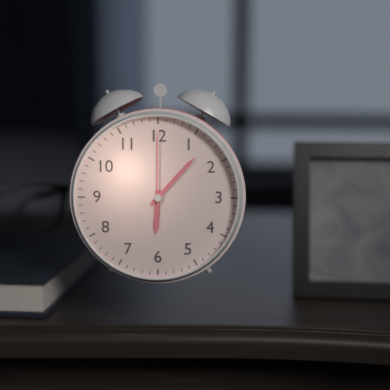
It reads 6:07:00
